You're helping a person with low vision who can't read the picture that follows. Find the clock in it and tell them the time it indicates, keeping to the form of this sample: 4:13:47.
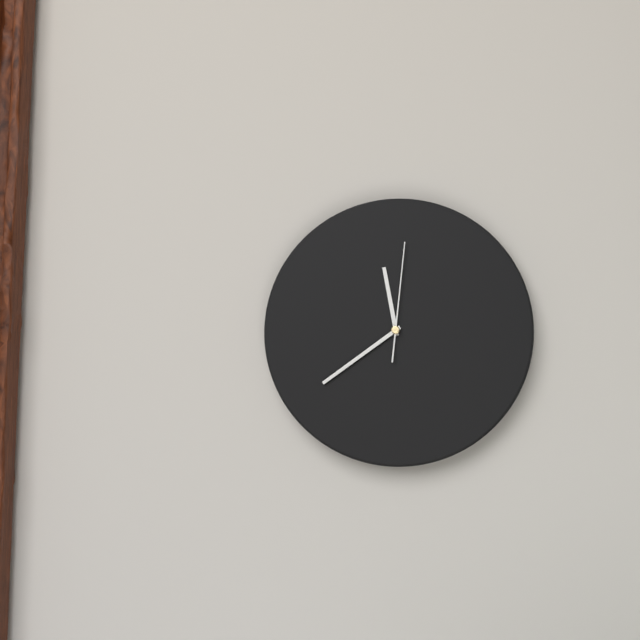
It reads 11:39:01
